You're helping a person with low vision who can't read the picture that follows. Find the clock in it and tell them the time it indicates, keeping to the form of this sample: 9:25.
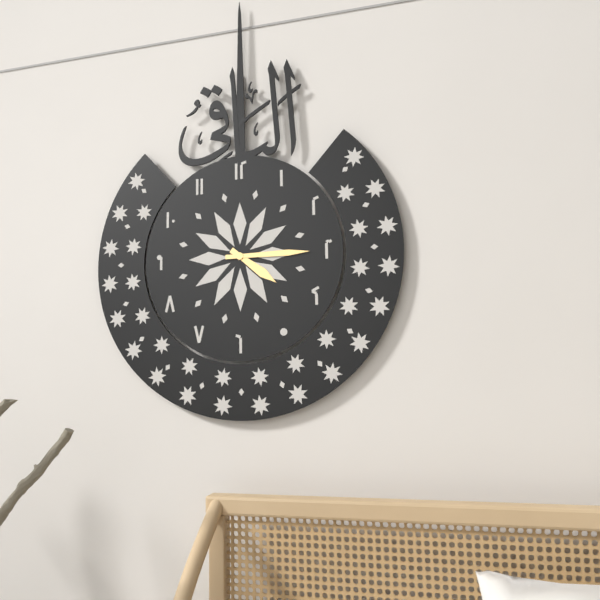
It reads 4:15
